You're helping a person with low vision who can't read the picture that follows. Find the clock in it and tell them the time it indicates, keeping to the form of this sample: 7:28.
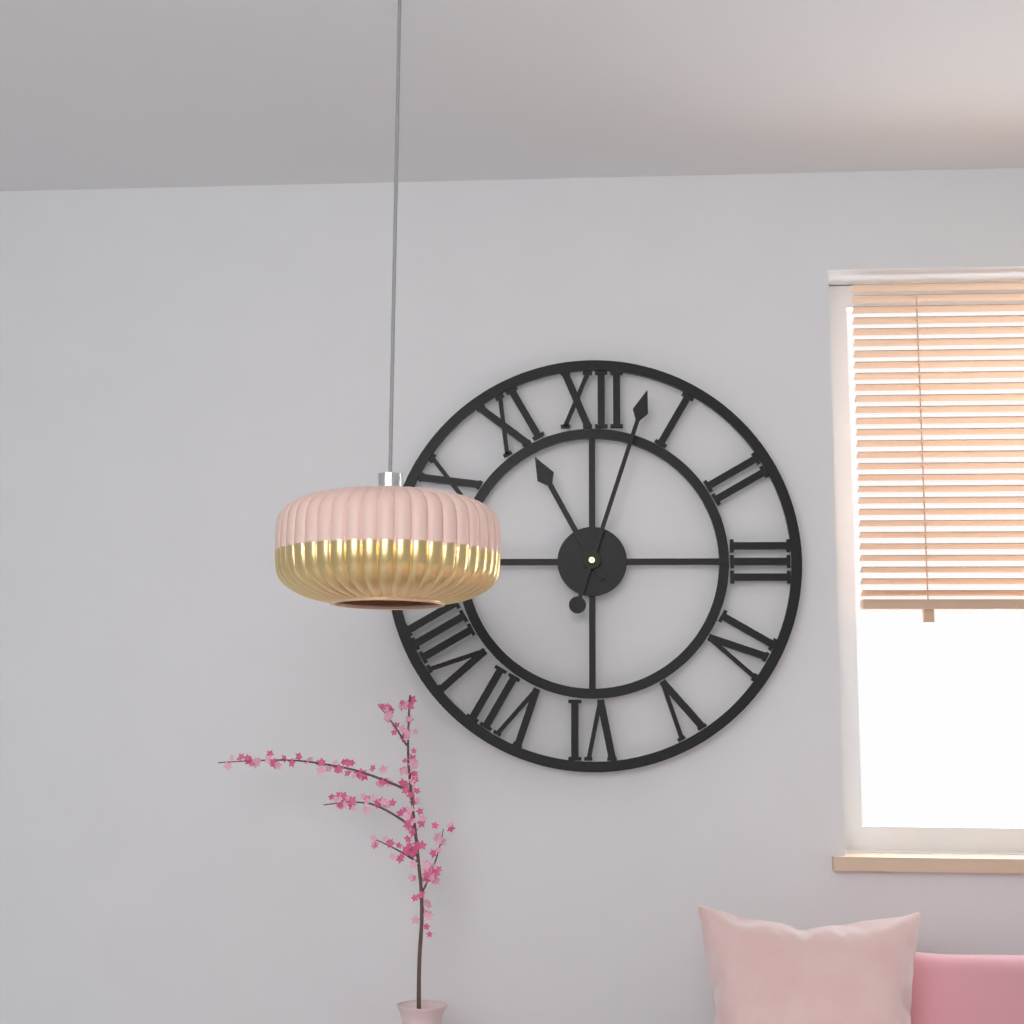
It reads 11:03
